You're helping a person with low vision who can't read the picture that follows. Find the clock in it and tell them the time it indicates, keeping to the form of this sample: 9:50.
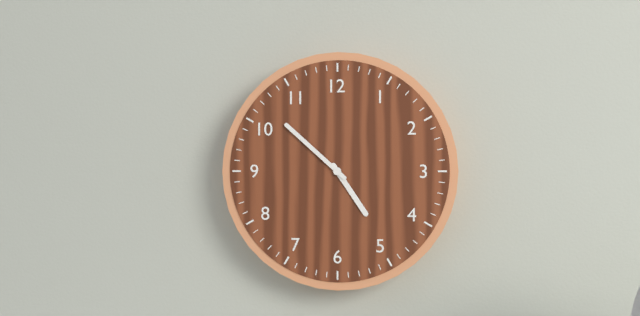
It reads 4:52
